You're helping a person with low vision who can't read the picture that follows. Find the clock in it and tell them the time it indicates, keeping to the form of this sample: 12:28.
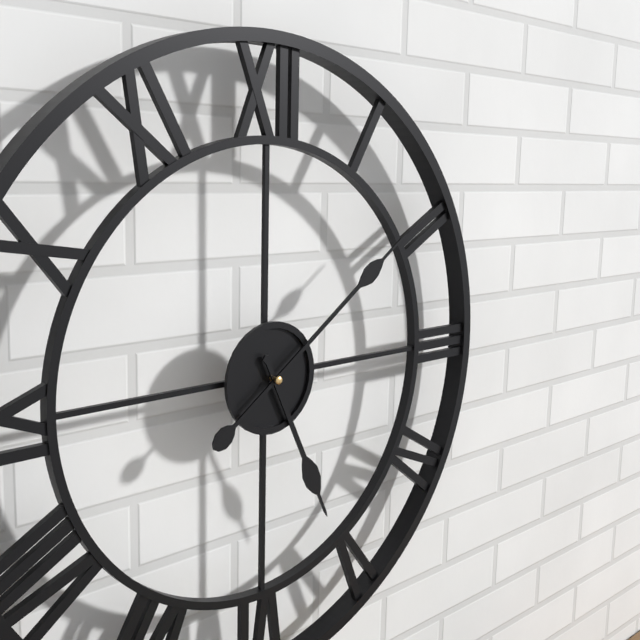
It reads 5:09
